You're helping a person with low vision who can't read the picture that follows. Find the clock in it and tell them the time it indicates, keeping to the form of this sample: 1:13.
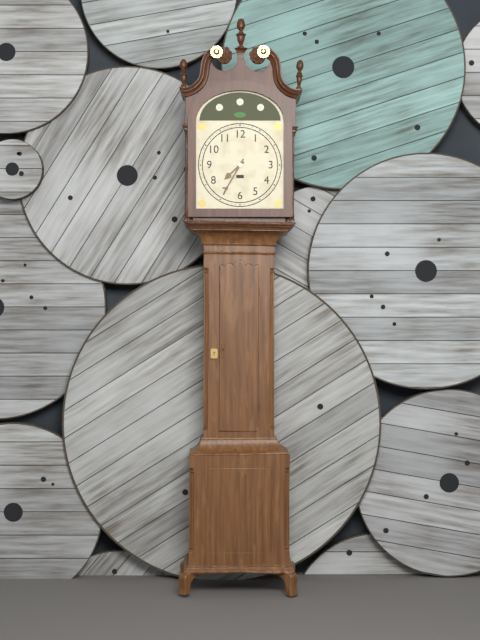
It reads 7:35
